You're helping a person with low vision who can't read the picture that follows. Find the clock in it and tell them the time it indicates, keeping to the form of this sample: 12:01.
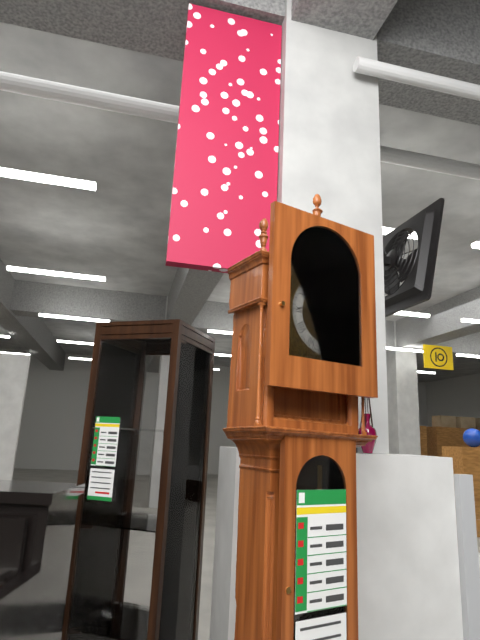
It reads 9:25
